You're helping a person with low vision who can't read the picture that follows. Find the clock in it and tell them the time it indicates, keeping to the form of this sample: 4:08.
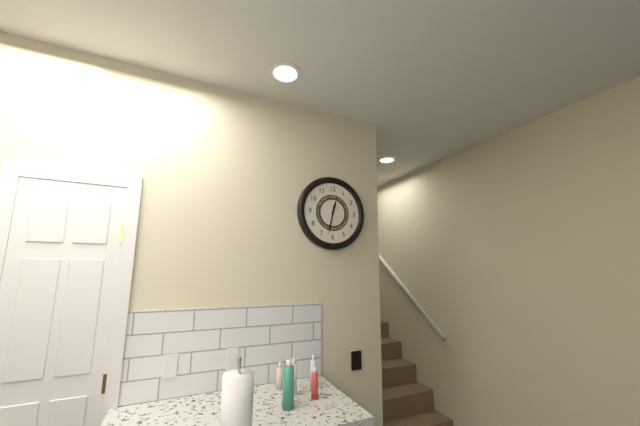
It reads 12:32
